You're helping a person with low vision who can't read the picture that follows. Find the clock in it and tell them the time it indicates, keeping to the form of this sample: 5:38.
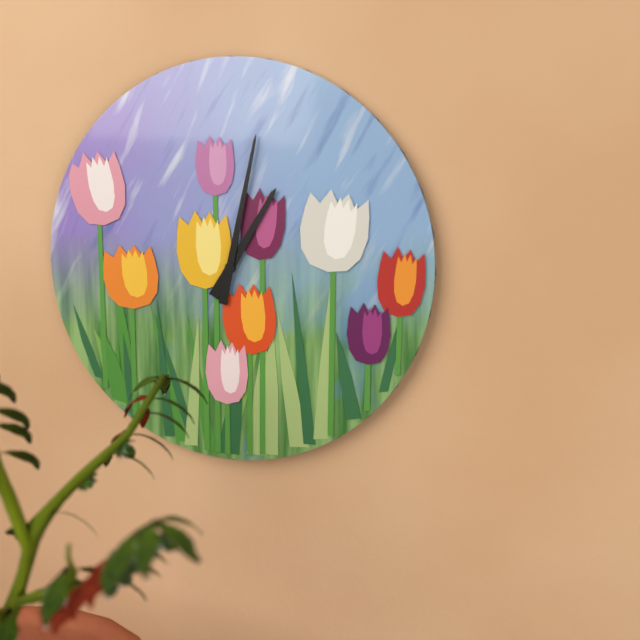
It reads 1:02
